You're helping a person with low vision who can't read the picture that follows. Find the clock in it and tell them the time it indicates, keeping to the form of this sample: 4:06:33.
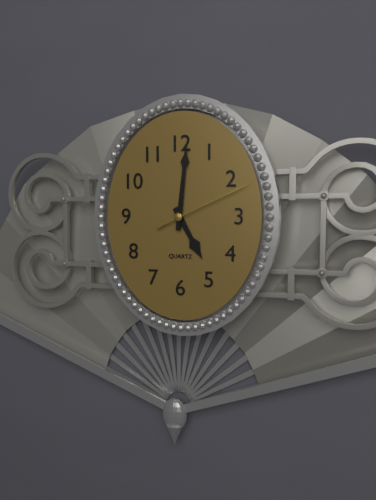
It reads 5:01:11
